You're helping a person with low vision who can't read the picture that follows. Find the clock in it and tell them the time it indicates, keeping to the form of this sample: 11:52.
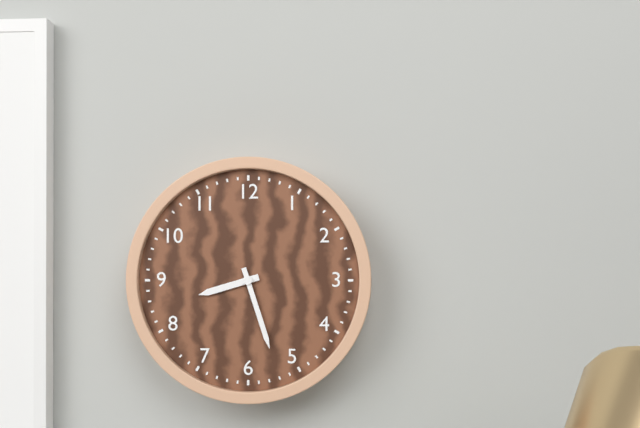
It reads 8:27
